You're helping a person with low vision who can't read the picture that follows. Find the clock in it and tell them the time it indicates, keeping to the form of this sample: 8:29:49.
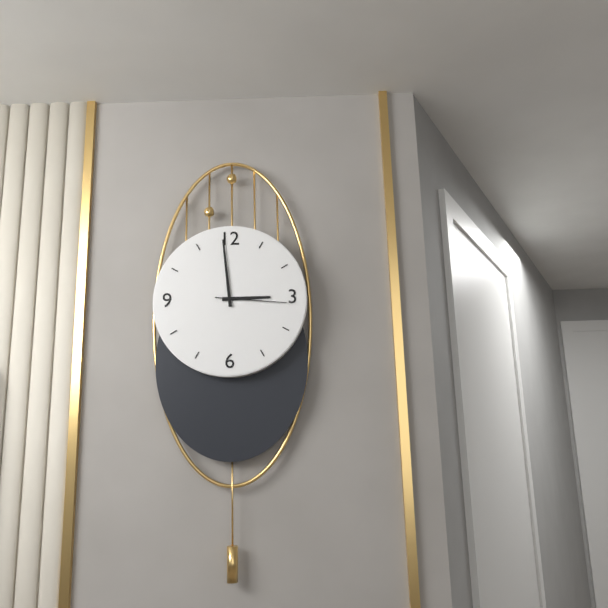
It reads 2:59:16
